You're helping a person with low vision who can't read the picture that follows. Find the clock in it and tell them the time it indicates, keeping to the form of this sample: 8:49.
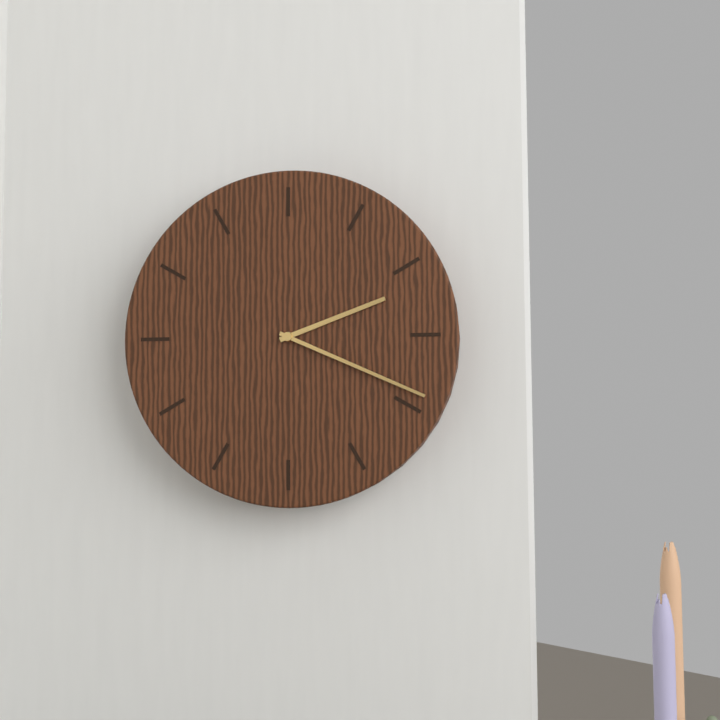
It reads 2:19
